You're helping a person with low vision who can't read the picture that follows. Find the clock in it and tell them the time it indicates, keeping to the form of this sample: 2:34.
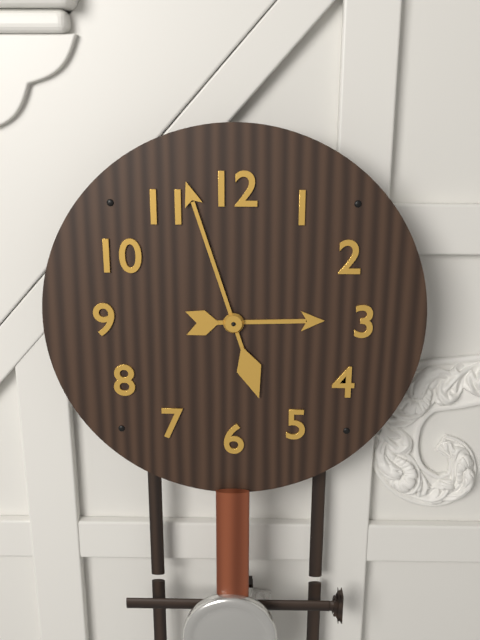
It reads 2:57
